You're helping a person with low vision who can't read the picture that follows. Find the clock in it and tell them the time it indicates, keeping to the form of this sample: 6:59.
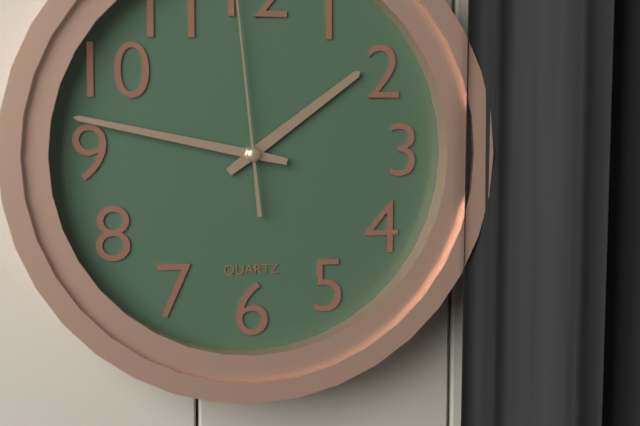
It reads 1:47
